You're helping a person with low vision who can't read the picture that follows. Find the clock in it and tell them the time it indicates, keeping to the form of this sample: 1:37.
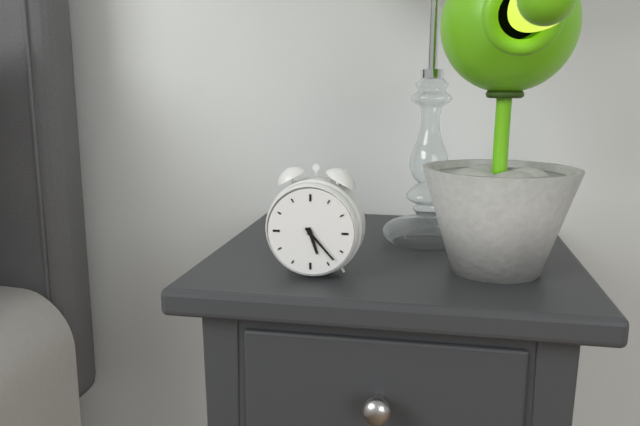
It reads 5:23
